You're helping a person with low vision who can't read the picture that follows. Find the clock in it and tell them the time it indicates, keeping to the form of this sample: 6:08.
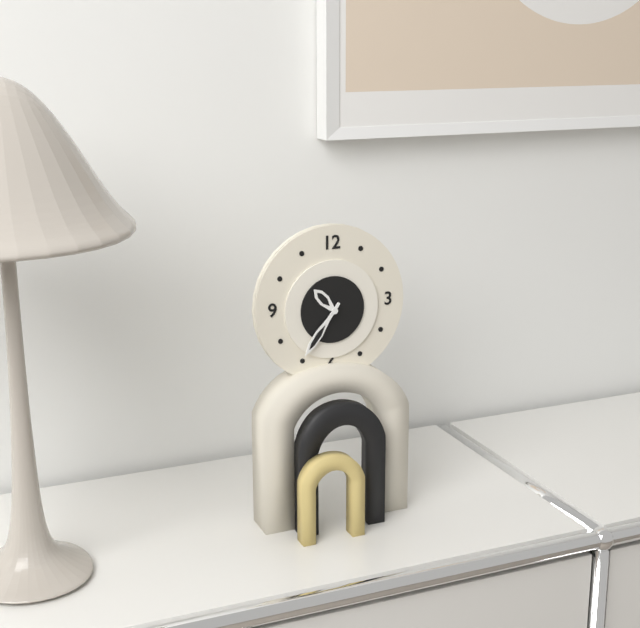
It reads 10:36
